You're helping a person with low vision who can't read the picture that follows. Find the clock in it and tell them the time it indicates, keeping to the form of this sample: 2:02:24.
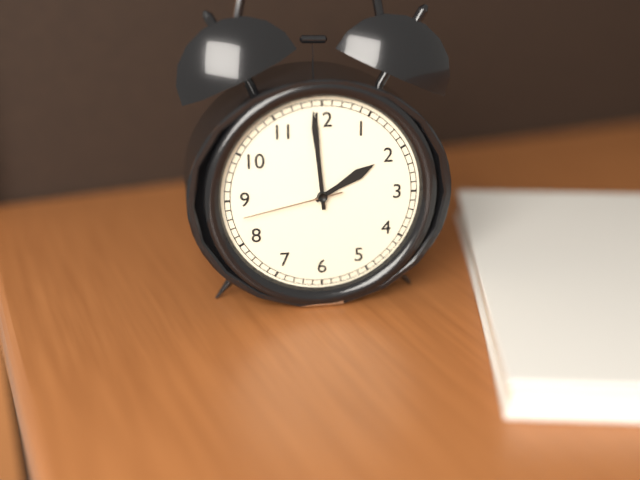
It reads 1:59:43
